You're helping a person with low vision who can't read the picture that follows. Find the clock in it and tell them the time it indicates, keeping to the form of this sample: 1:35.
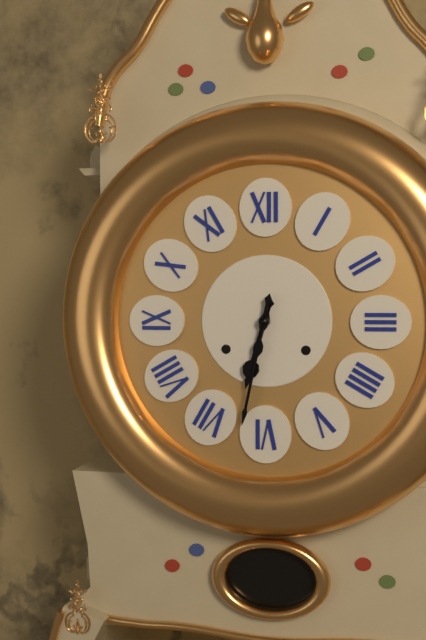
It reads 6:32
